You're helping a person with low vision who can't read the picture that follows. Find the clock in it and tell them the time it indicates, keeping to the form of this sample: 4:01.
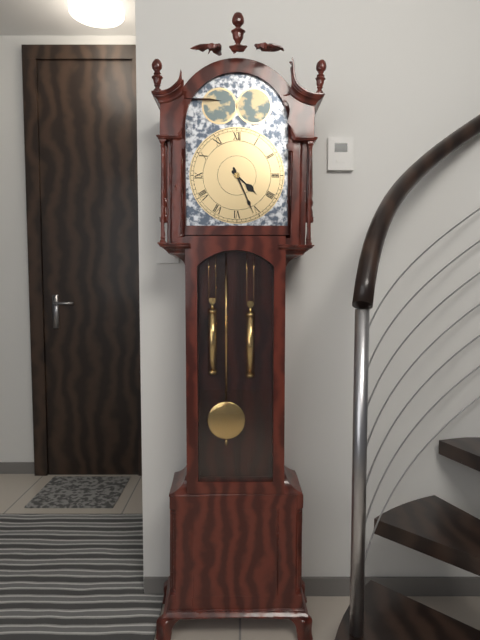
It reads 4:26
